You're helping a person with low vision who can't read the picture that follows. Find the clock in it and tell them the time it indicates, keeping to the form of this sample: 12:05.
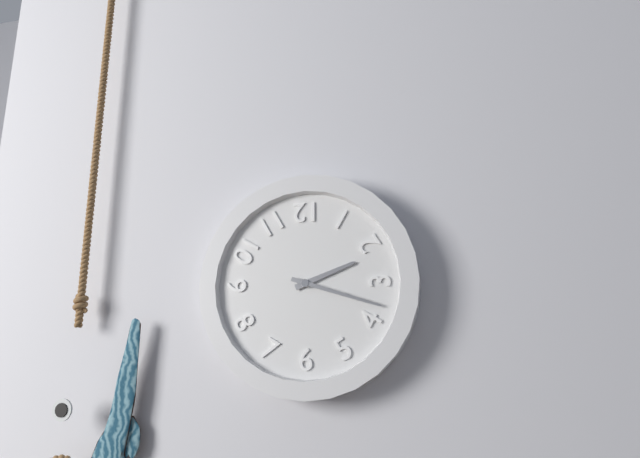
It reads 2:18
